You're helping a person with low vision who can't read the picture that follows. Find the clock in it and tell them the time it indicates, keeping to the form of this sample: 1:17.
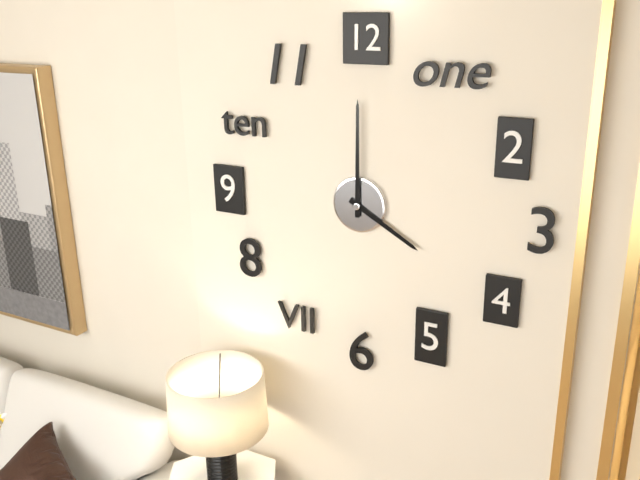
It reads 4:00
